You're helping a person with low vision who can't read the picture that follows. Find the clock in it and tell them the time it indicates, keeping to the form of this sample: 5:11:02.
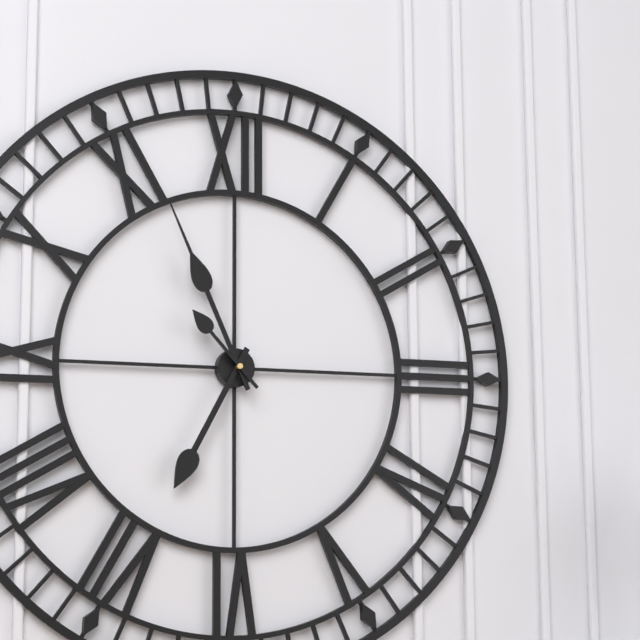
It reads 6:56:53
